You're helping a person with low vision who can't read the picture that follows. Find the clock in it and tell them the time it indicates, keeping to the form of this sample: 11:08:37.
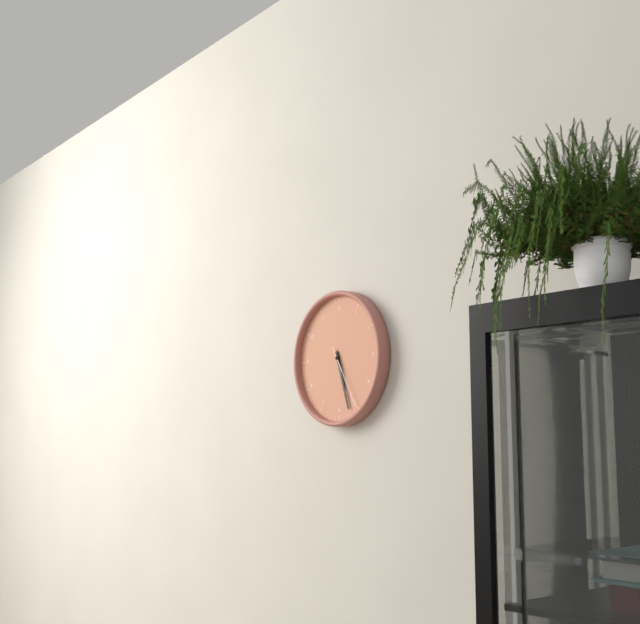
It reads 5:27:25
